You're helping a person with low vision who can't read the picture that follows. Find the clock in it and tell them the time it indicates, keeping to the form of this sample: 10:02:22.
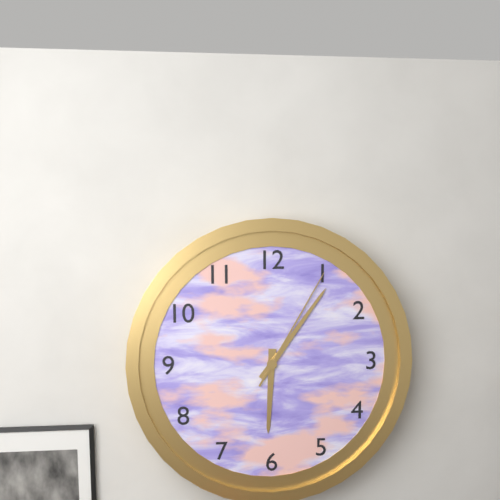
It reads 6:06:05
